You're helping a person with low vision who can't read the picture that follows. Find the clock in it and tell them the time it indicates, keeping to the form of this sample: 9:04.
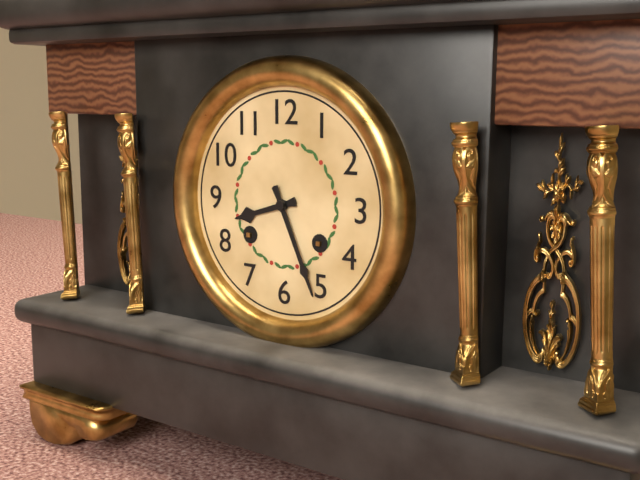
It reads 8:26
